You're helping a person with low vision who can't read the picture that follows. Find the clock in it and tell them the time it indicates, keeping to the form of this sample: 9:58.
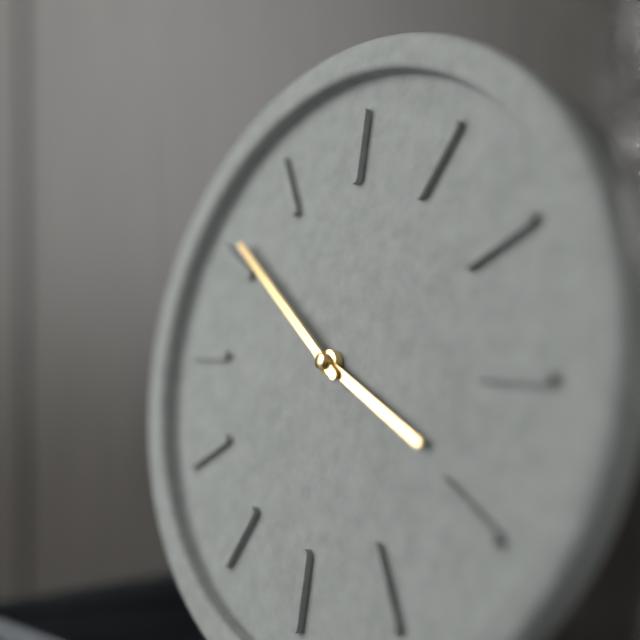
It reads 3:51
